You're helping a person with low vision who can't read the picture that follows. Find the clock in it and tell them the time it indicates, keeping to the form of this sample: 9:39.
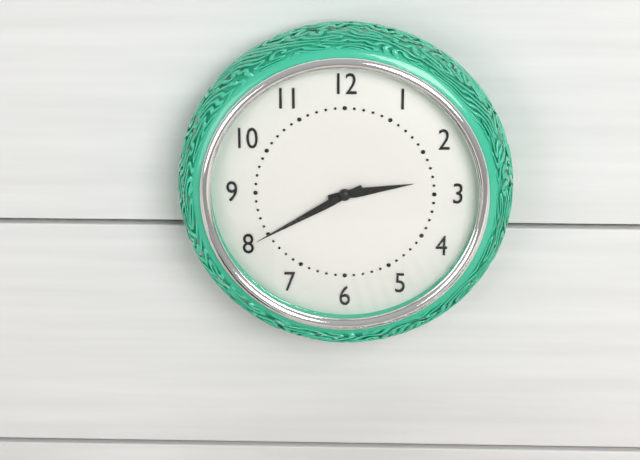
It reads 2:40
